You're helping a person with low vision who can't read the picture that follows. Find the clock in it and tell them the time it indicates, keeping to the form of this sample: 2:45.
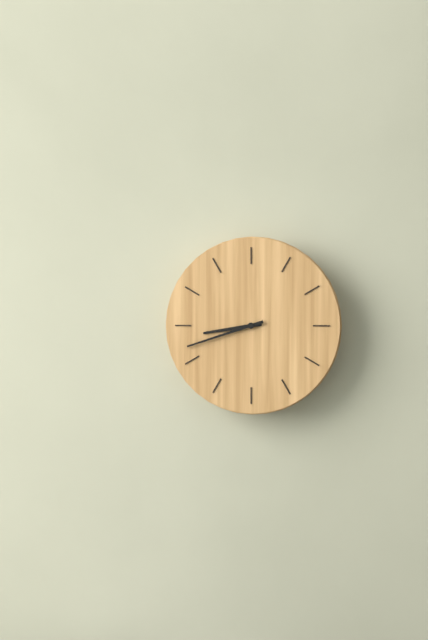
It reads 8:42
